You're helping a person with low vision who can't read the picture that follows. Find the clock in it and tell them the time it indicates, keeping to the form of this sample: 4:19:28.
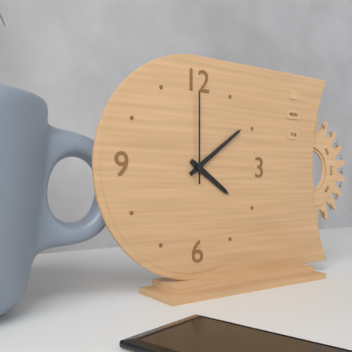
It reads 4:09:00
